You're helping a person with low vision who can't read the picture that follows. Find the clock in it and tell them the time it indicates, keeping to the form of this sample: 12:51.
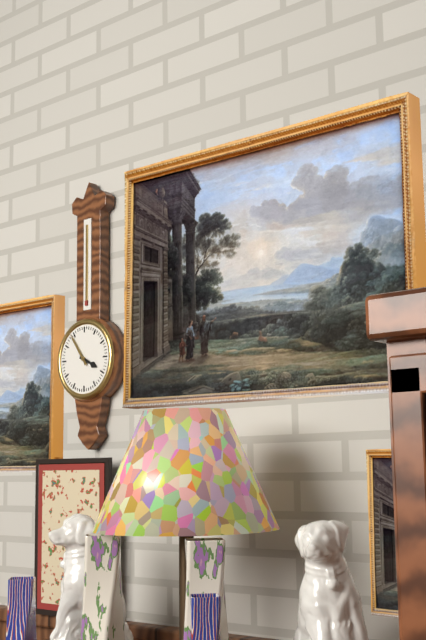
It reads 3:54
